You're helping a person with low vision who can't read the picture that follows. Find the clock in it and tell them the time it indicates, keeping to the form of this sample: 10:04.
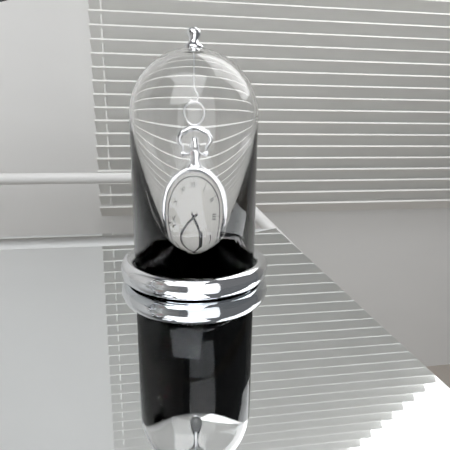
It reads 4:41
